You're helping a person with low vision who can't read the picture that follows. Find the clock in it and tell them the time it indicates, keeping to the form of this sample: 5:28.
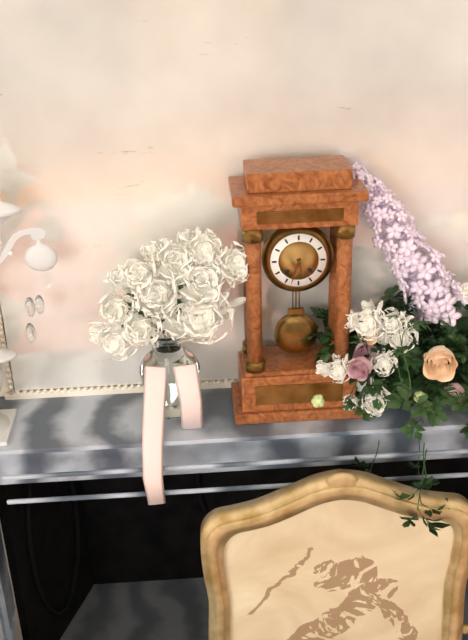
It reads 5:33
